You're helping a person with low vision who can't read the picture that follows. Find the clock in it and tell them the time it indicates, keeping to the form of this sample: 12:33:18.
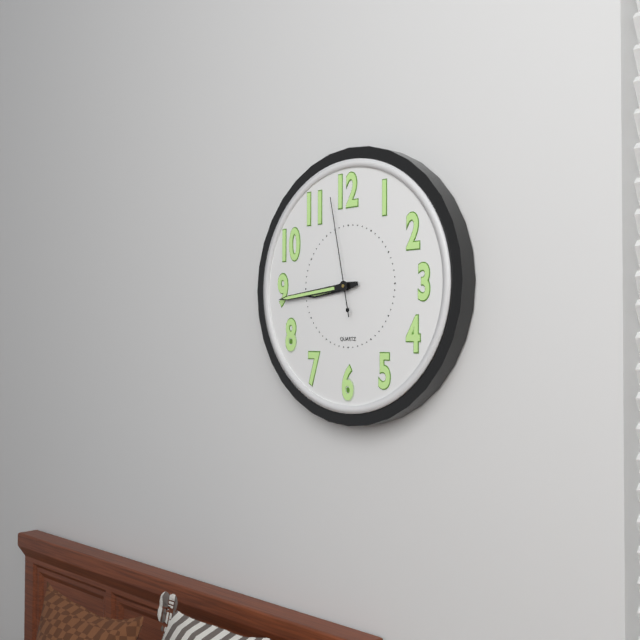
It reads 8:44:58
